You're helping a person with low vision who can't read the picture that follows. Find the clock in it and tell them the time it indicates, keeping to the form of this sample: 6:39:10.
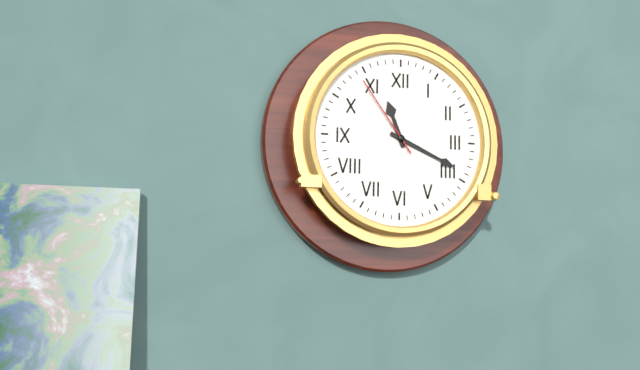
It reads 11:19:54
